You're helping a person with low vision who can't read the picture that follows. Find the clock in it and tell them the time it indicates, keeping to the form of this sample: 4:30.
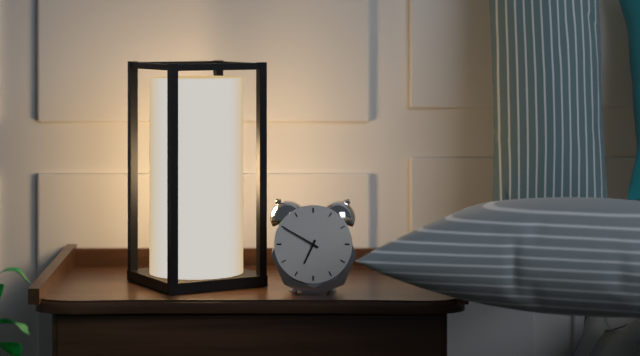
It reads 6:50
